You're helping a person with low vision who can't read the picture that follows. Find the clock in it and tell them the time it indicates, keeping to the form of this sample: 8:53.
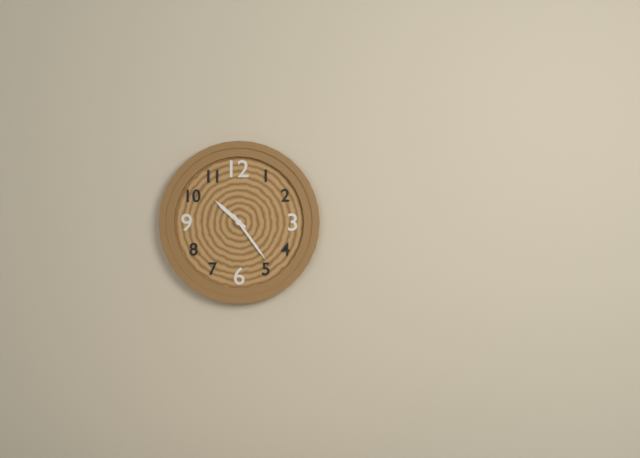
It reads 10:24
